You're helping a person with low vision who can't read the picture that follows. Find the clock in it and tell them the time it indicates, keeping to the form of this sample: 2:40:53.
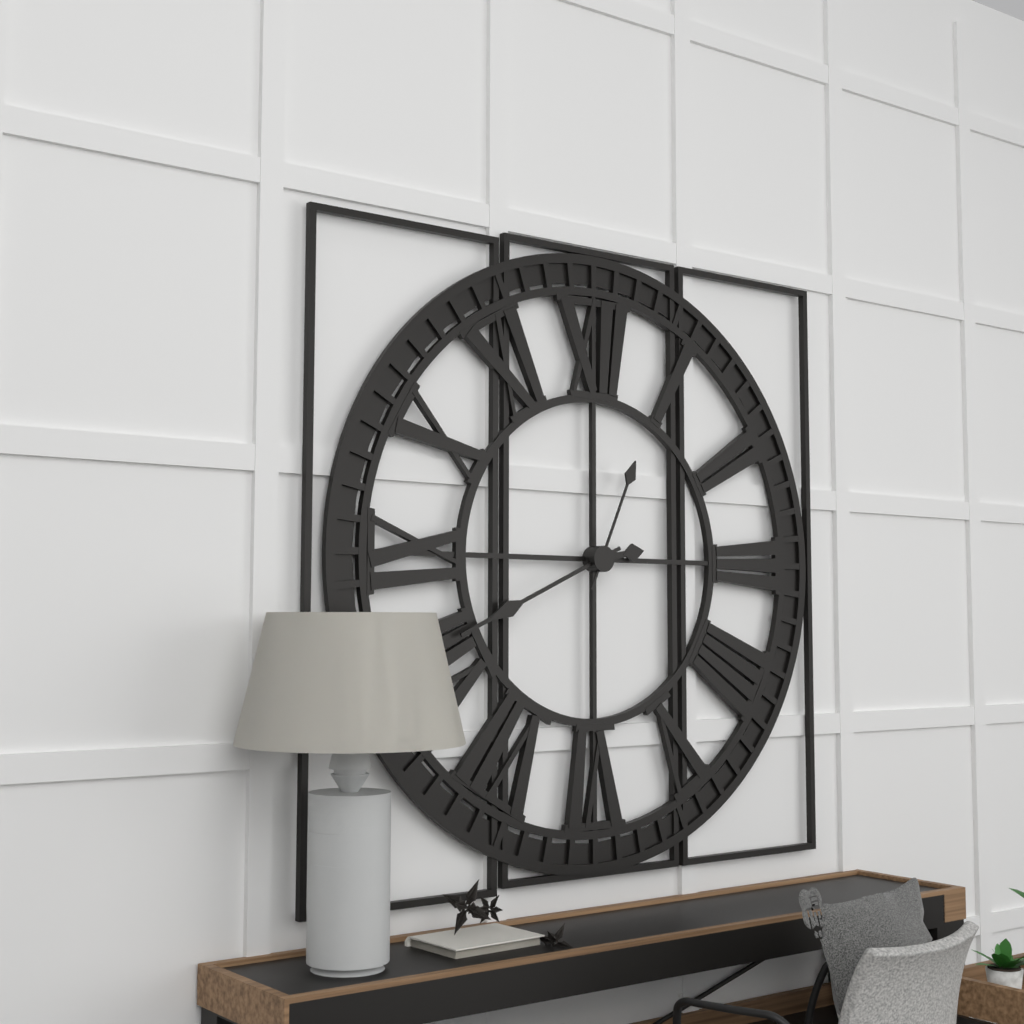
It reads 2:41:04
